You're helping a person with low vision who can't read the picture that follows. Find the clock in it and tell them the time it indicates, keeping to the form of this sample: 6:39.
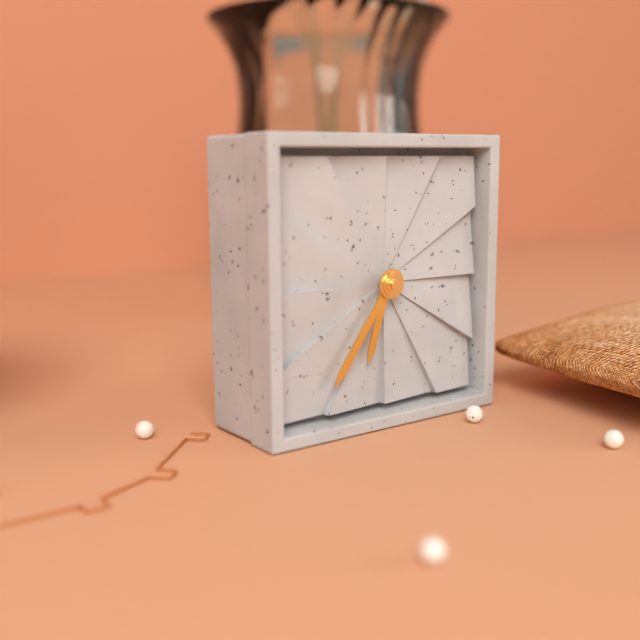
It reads 6:36
